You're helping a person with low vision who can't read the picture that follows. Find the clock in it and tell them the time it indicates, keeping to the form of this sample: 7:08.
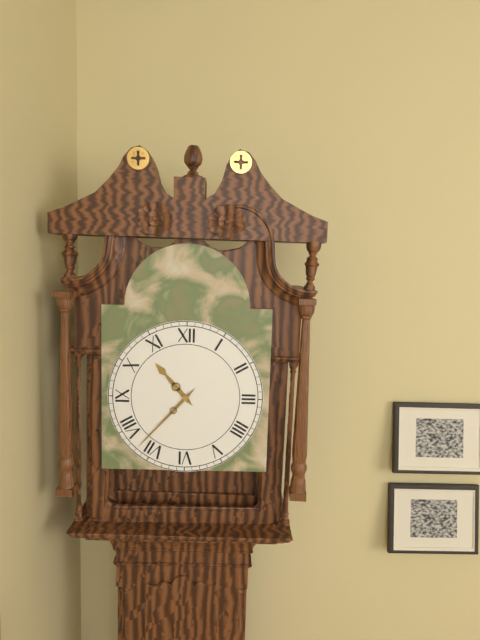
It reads 10:37
